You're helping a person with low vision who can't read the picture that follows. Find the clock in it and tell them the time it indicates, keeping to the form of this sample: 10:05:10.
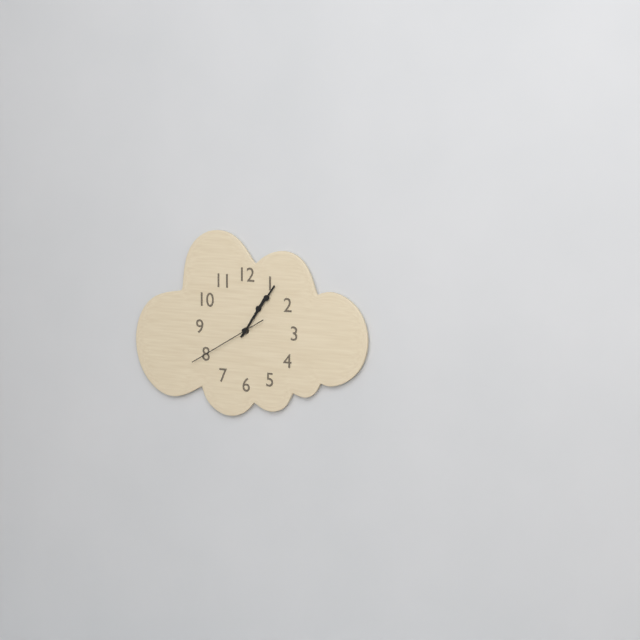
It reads 1:06:40
